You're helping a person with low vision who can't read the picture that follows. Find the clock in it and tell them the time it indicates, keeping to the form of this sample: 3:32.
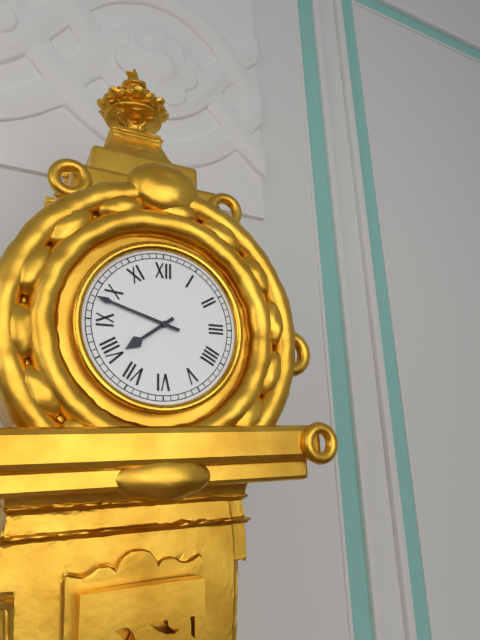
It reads 7:48
